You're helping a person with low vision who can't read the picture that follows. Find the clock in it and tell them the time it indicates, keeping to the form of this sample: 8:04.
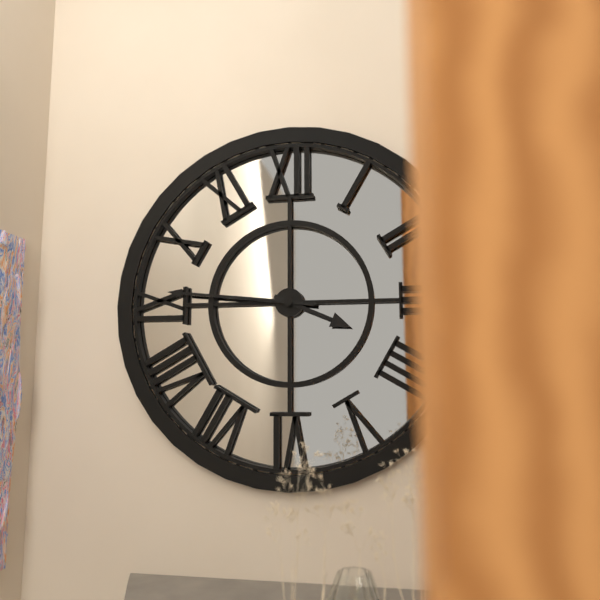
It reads 3:46
